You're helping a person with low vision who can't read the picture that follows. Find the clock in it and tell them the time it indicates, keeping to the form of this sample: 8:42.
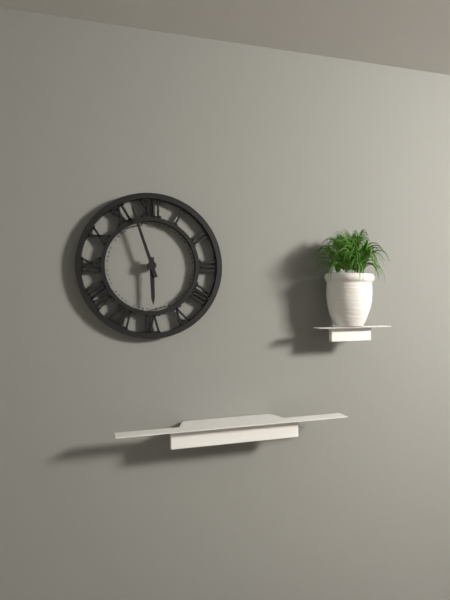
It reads 5:57
